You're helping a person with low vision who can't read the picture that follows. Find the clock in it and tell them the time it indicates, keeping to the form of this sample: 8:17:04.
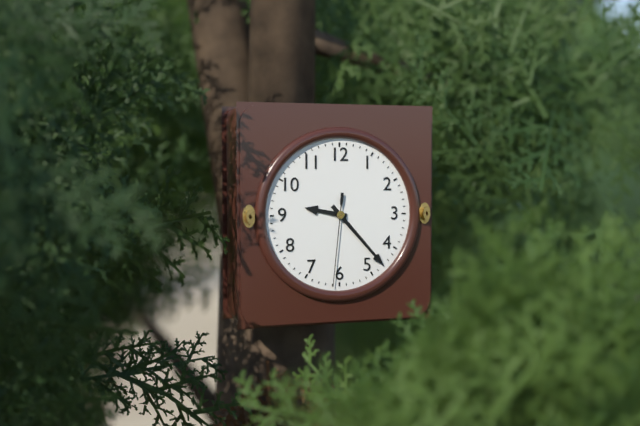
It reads 9:23:31
